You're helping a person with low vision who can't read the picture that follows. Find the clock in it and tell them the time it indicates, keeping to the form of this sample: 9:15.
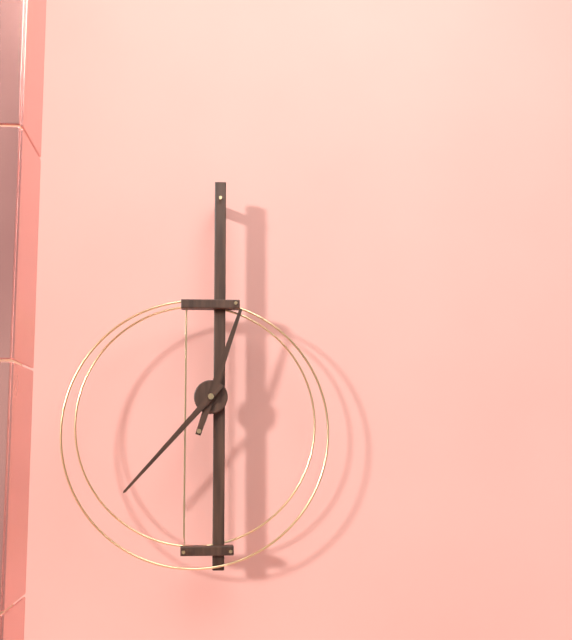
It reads 12:37
